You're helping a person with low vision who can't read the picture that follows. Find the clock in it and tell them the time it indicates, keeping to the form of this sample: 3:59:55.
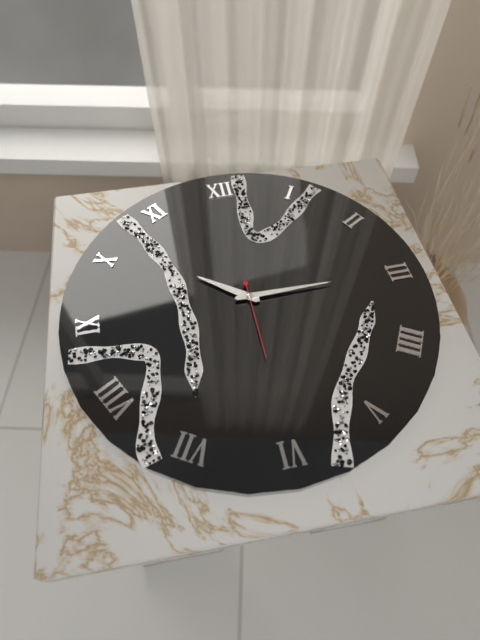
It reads 10:15:30
